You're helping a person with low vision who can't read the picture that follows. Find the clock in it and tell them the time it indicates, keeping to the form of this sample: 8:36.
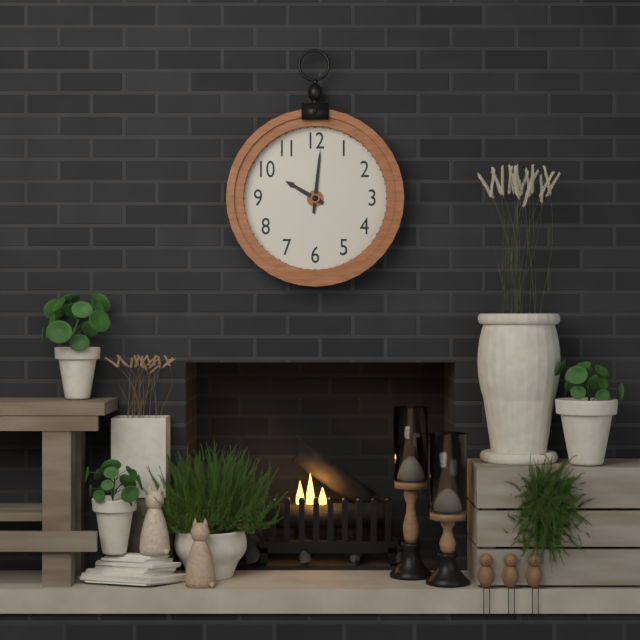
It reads 10:01
